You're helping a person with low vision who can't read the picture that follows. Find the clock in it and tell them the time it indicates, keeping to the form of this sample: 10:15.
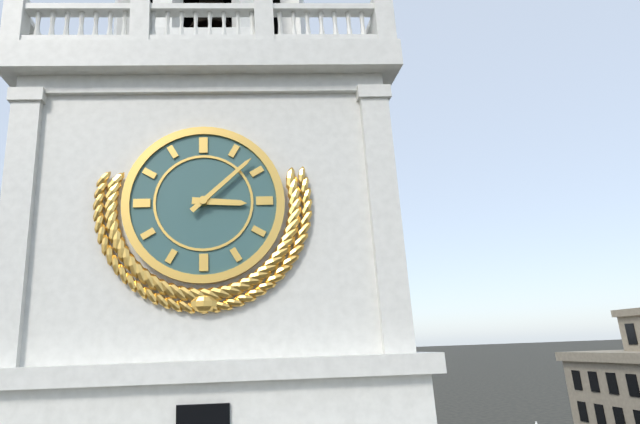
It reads 3:08
